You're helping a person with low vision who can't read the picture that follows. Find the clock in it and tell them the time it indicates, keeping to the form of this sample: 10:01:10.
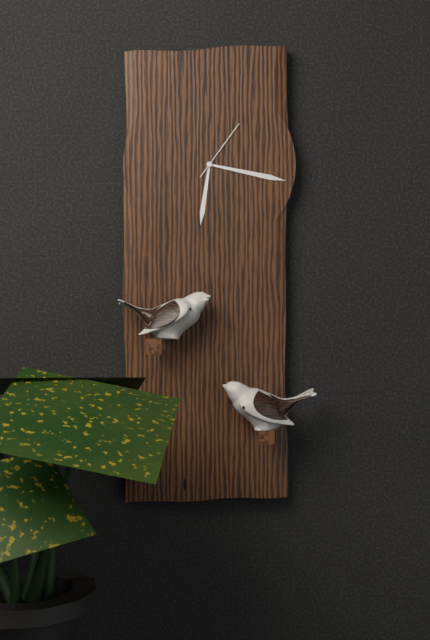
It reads 6:17:06
